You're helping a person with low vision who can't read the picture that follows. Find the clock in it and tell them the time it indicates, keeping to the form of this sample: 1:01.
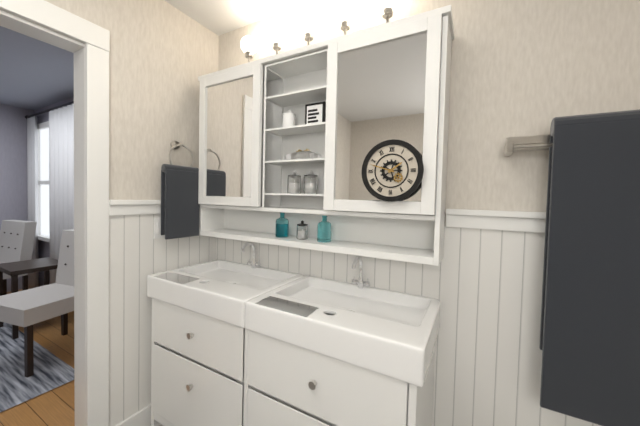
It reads 1:48
